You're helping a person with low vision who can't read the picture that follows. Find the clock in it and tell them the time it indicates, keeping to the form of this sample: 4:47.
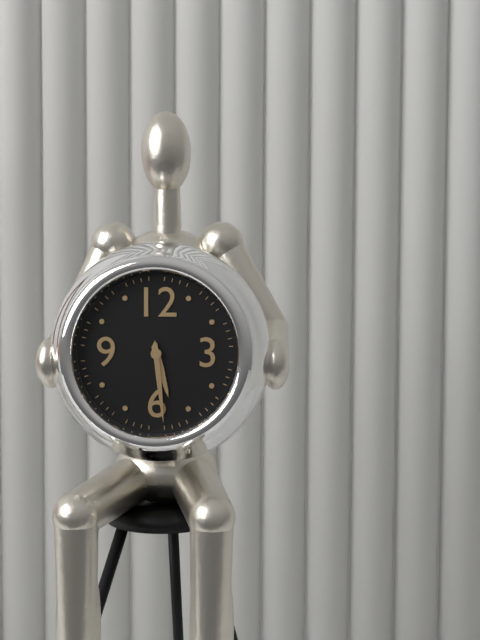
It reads 5:29
